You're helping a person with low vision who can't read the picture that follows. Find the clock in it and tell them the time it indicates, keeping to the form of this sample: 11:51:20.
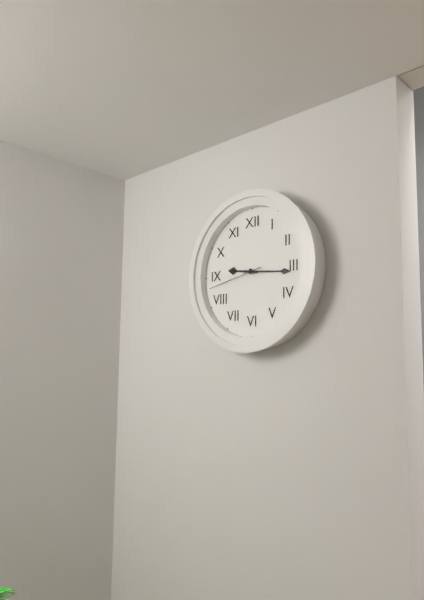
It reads 9:16:43
